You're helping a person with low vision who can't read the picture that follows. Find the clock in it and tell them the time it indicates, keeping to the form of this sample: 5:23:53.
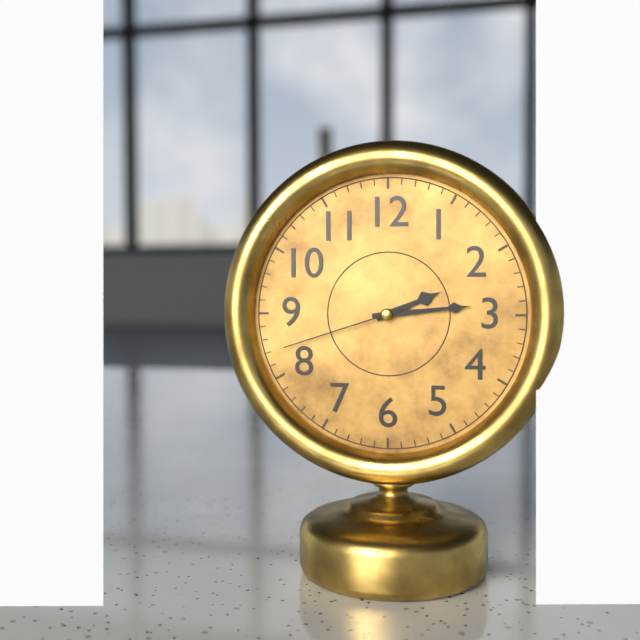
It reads 2:14:42
